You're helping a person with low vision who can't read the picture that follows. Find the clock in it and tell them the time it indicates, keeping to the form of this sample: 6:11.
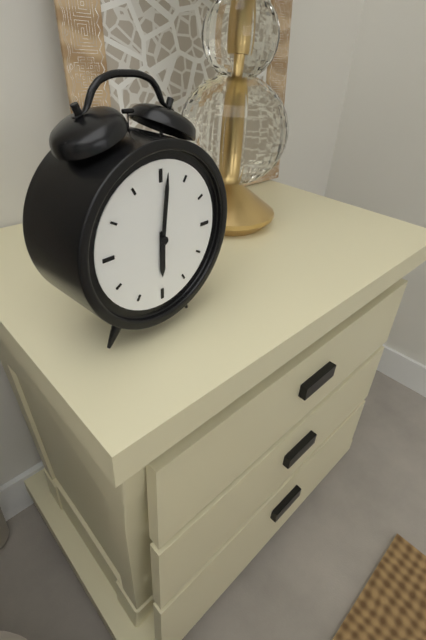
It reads 6:01
